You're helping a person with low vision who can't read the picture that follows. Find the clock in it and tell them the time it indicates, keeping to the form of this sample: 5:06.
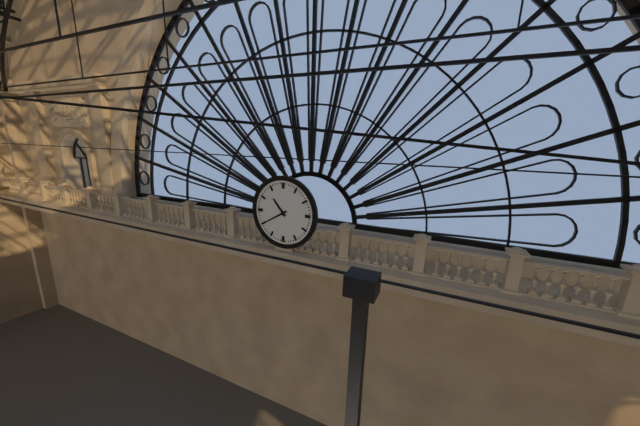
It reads 10:40
